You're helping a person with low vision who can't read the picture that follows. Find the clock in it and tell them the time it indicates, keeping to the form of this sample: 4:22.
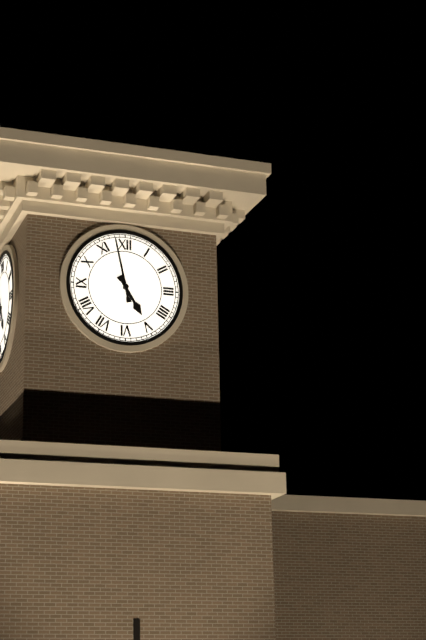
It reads 4:58
